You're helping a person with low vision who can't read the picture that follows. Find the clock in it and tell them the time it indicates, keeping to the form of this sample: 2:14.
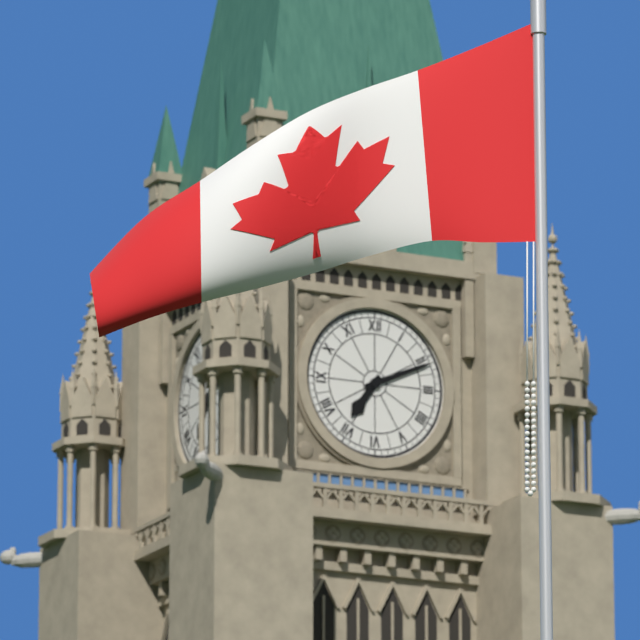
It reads 7:11
